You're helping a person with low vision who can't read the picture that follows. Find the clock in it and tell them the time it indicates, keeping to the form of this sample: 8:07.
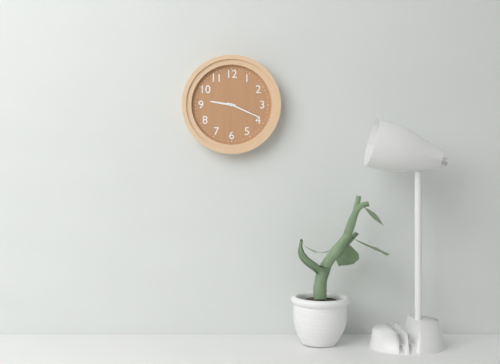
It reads 9:19
